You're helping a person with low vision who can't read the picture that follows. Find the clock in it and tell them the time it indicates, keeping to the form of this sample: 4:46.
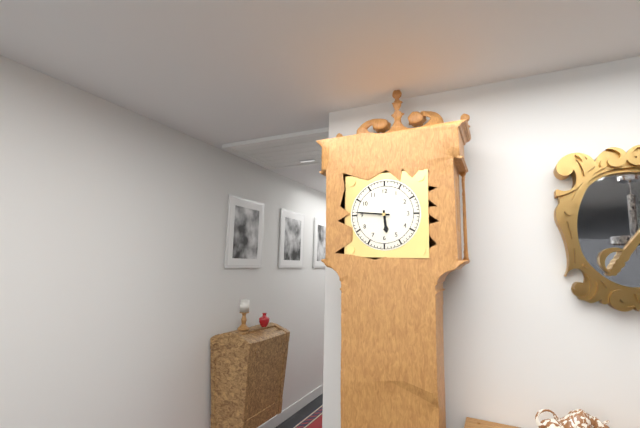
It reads 5:46
